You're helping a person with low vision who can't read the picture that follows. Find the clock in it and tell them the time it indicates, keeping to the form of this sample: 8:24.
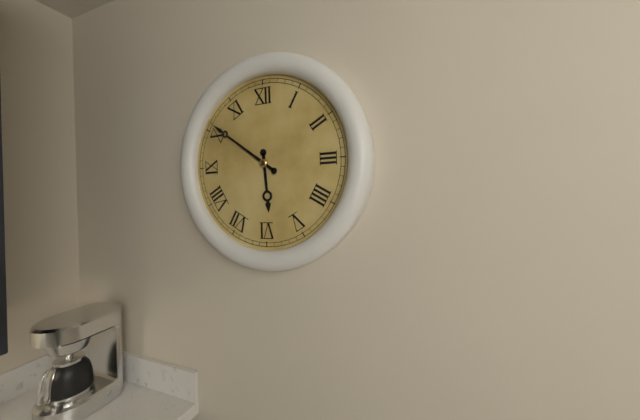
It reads 5:51
